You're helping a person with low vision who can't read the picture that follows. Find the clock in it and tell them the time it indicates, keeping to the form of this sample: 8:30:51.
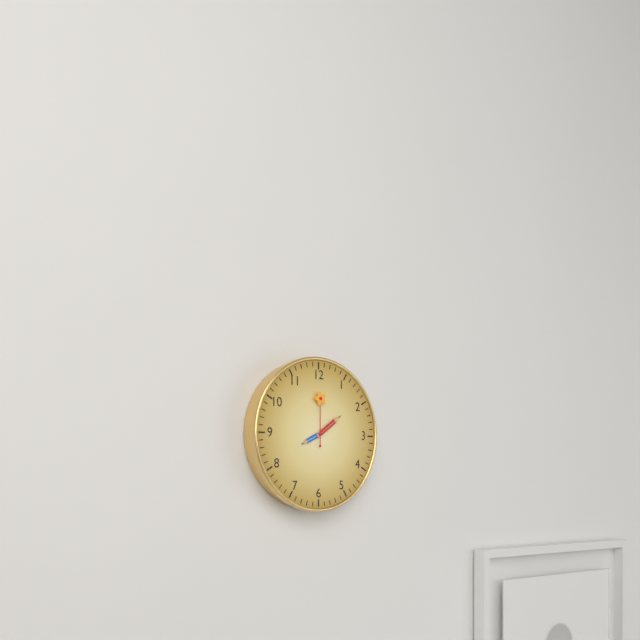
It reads 8:09:00
